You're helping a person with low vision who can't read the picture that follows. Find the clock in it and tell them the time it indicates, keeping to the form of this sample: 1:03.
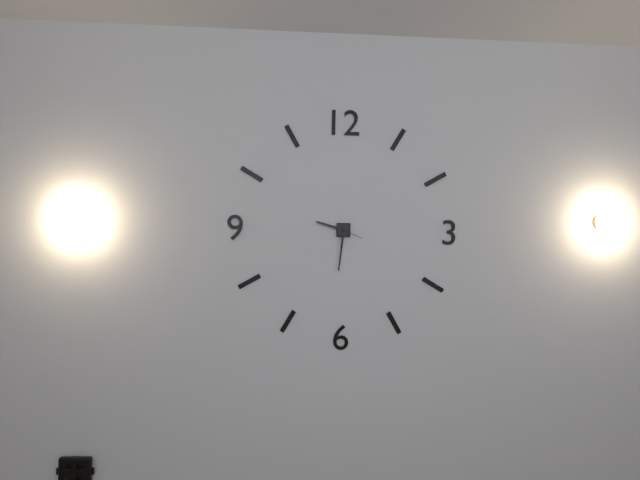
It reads 9:31
